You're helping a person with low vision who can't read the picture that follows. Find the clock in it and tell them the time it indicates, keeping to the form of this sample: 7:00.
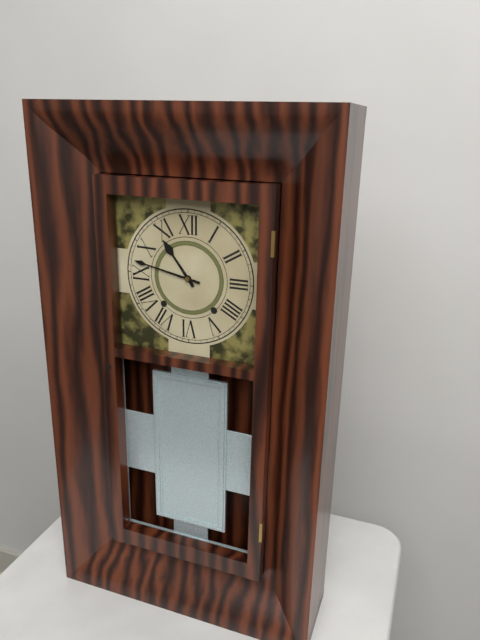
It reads 10:47
